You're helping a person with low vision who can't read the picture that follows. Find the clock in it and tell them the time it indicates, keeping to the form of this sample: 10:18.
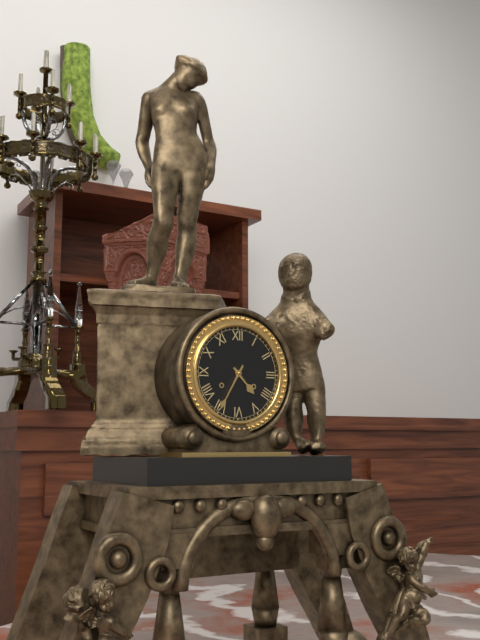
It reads 4:35
